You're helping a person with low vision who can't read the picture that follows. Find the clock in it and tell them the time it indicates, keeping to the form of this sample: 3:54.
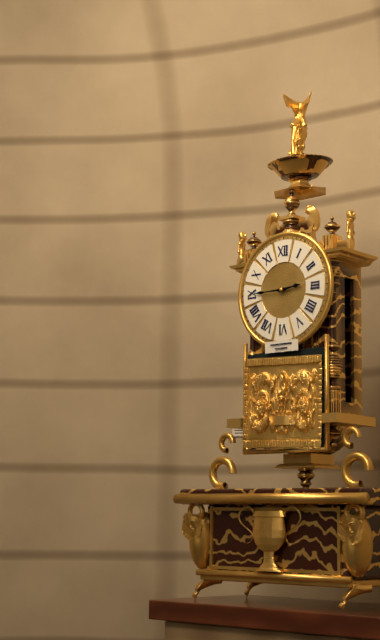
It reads 2:45
